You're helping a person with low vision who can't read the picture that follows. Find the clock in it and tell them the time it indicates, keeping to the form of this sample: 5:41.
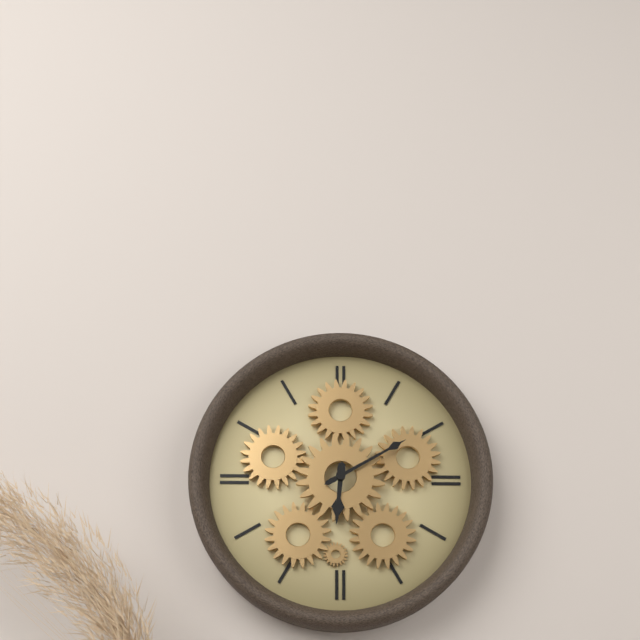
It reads 6:10
